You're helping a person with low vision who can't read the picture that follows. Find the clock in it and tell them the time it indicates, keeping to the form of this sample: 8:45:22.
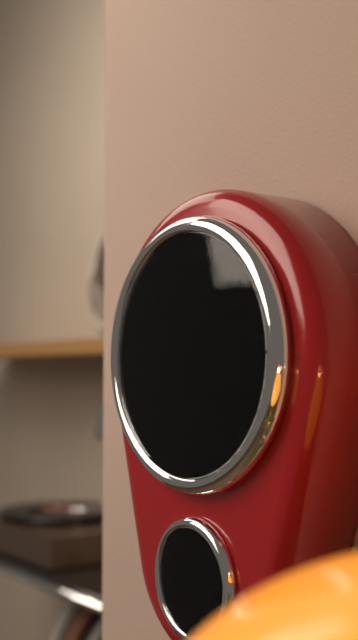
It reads 1:28:07
